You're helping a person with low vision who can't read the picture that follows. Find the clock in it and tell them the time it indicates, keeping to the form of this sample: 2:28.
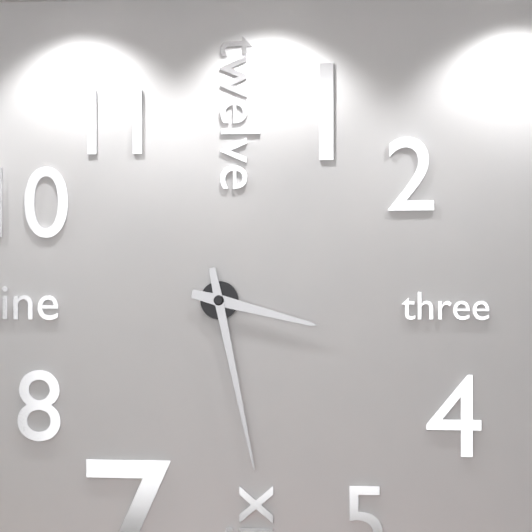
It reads 3:28
